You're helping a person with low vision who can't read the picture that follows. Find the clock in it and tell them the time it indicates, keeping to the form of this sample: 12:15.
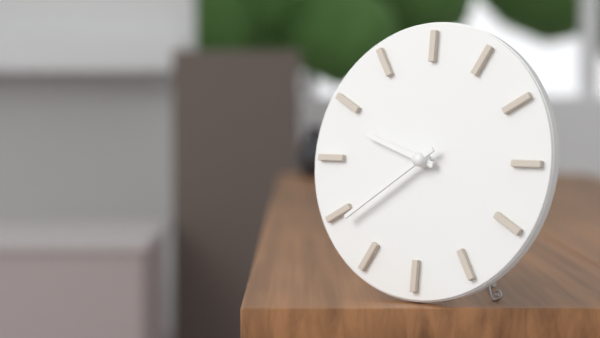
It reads 9:39
